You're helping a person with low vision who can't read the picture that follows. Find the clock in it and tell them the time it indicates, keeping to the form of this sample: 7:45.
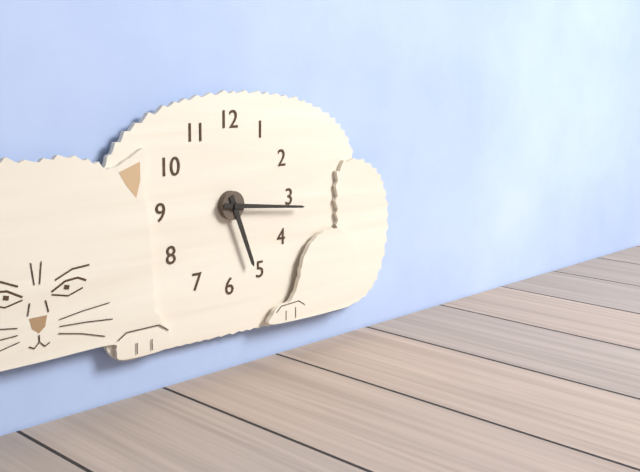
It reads 5:16
